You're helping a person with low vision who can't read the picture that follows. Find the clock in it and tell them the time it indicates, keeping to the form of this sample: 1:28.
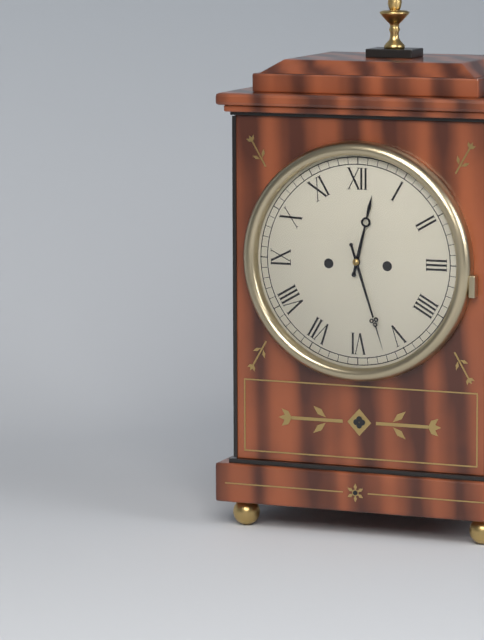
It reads 12:27
